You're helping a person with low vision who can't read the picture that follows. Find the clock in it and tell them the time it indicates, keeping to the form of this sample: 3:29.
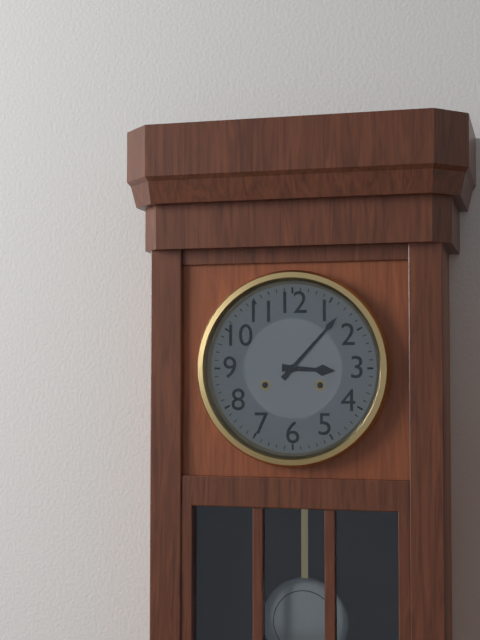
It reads 3:07
